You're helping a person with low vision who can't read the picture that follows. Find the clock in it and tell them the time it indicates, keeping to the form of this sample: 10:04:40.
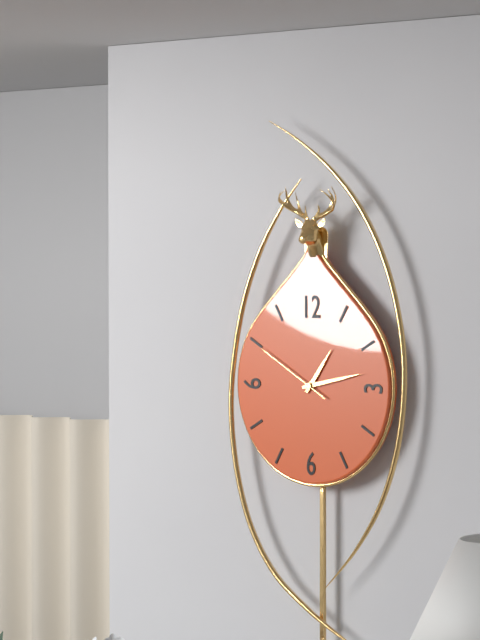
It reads 1:13:50
